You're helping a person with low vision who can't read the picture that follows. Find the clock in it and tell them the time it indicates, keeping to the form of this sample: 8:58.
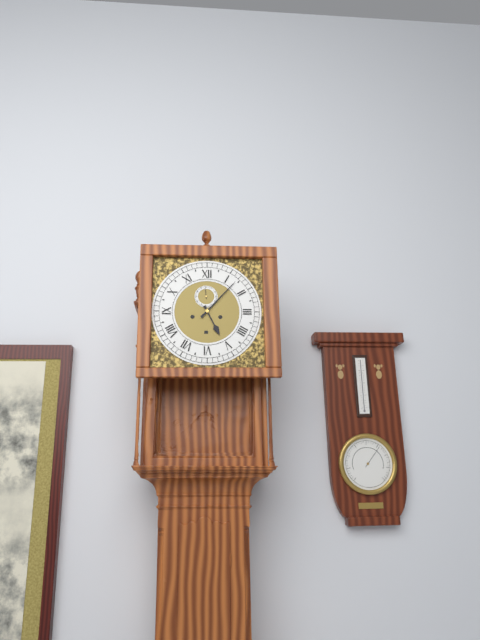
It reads 5:07
